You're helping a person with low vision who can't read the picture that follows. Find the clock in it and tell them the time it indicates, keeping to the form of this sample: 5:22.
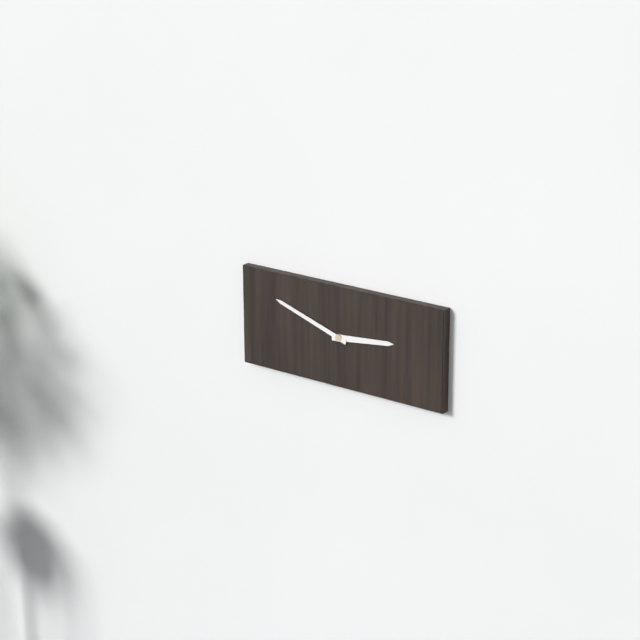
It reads 2:48
